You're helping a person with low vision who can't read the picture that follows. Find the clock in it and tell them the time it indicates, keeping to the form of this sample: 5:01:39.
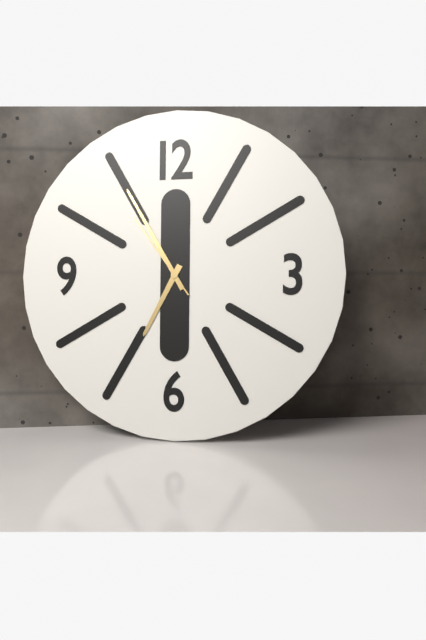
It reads 6:55:54
